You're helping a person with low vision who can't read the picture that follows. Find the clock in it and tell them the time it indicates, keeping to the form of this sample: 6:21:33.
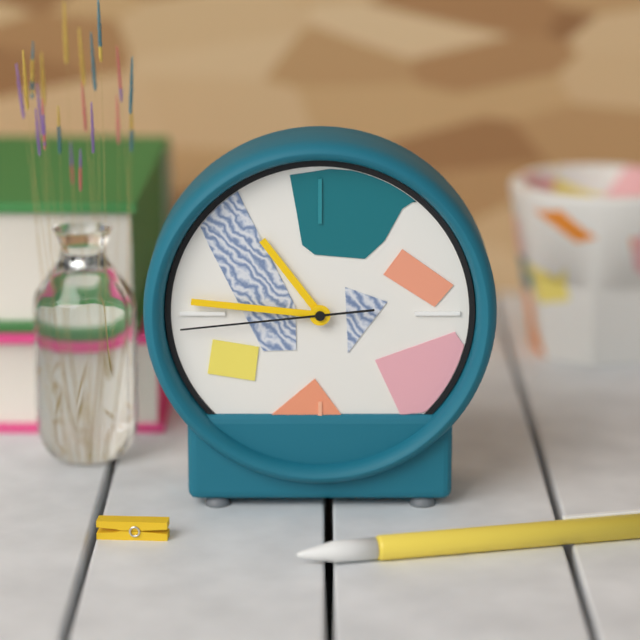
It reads 10:46:44
